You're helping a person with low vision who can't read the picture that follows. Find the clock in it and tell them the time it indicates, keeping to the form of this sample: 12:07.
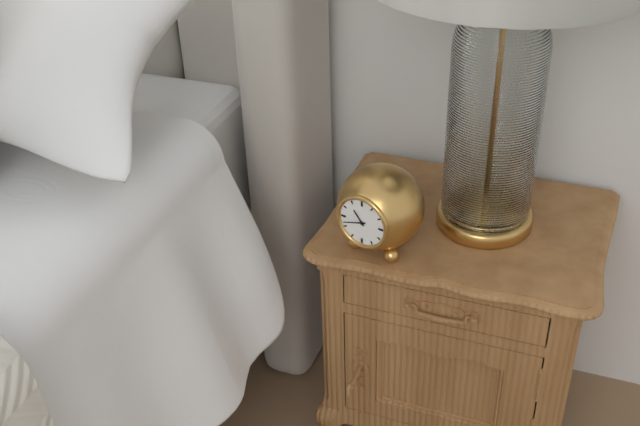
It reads 10:42
